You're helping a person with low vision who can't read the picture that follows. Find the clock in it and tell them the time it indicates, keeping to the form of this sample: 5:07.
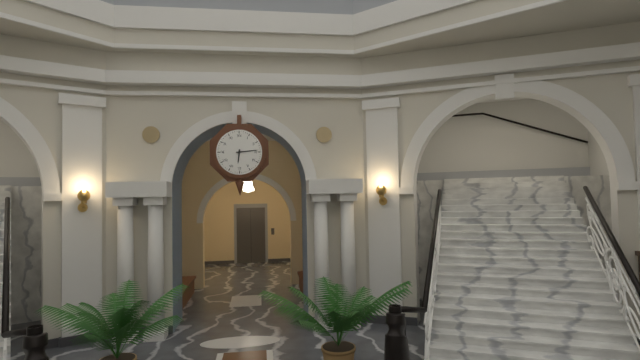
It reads 6:14
